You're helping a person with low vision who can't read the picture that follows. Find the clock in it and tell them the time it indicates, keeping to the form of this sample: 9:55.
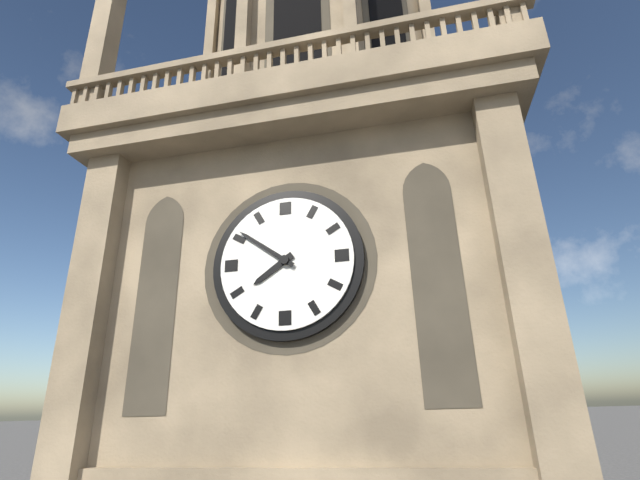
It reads 7:51
